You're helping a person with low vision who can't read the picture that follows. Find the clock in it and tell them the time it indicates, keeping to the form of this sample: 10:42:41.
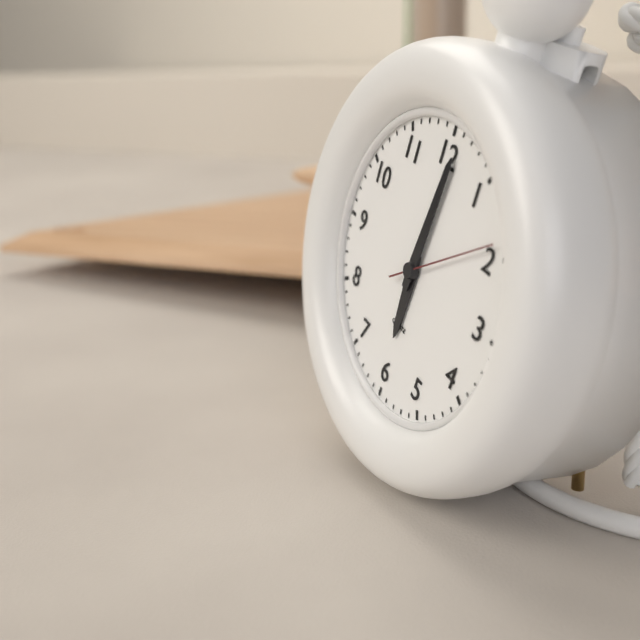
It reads 6:01:09
